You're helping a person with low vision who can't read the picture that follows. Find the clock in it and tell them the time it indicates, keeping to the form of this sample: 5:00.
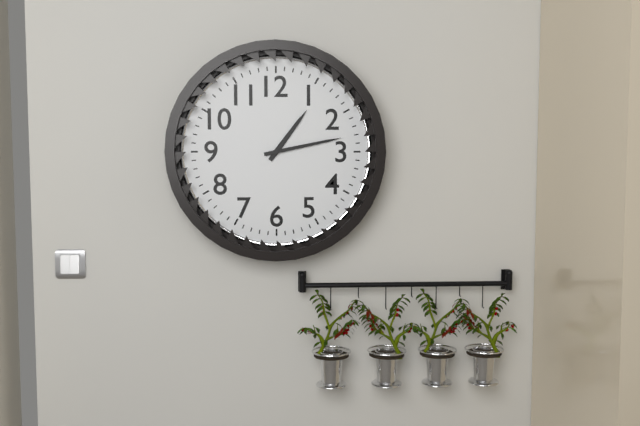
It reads 1:13
